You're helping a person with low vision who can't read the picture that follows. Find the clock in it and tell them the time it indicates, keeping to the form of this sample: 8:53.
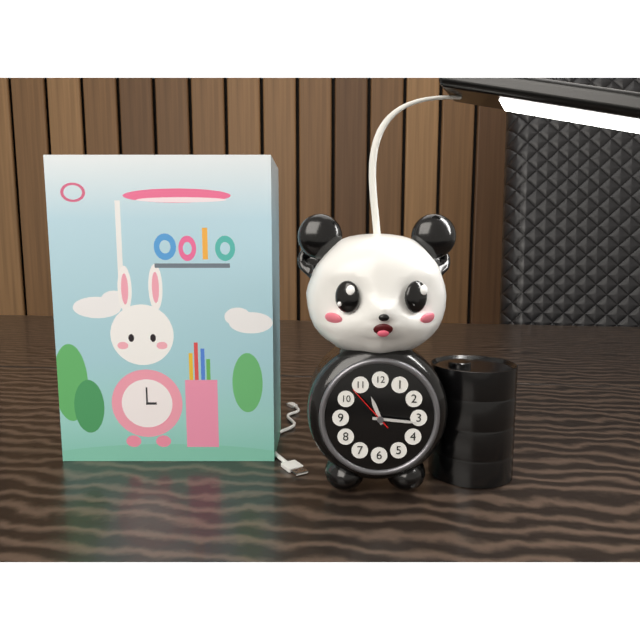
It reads 11:16
